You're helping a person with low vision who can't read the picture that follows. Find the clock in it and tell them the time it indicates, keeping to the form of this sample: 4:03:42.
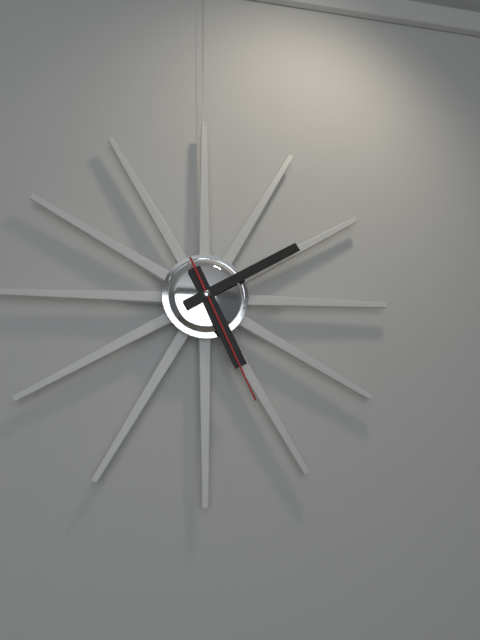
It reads 5:10:26
